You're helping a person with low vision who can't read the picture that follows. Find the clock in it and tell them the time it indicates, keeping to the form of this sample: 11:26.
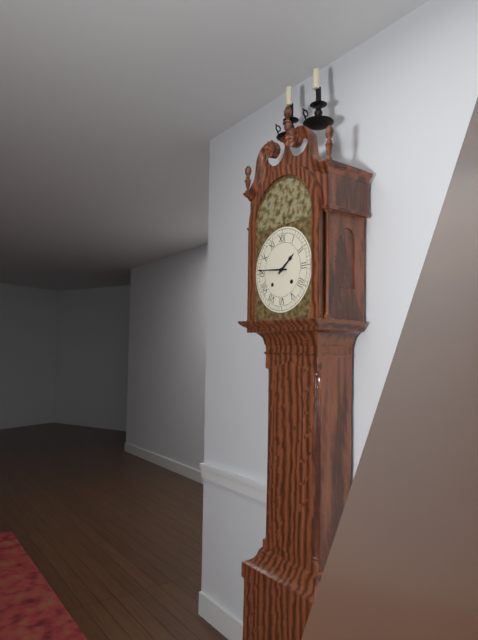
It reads 1:46
